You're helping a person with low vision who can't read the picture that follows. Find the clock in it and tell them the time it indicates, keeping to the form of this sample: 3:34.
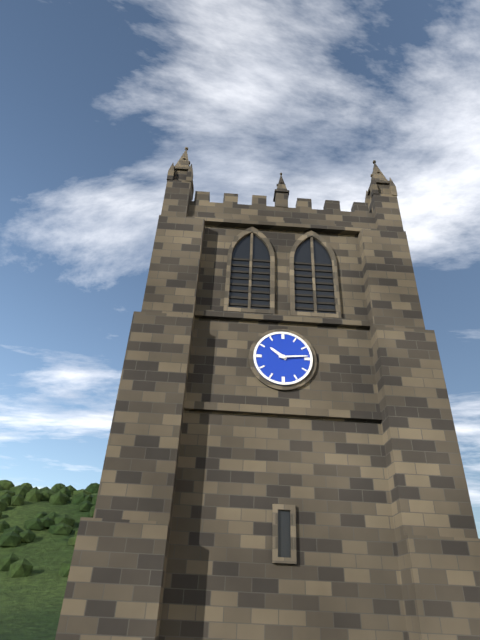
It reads 10:14
